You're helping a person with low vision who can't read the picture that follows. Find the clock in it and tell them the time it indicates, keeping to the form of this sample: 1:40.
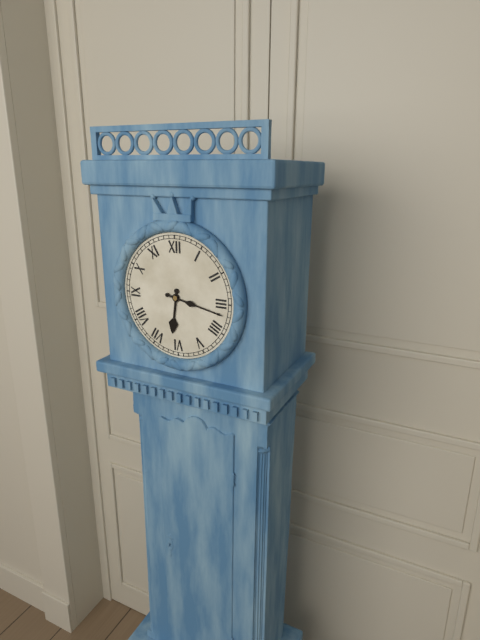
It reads 6:17
